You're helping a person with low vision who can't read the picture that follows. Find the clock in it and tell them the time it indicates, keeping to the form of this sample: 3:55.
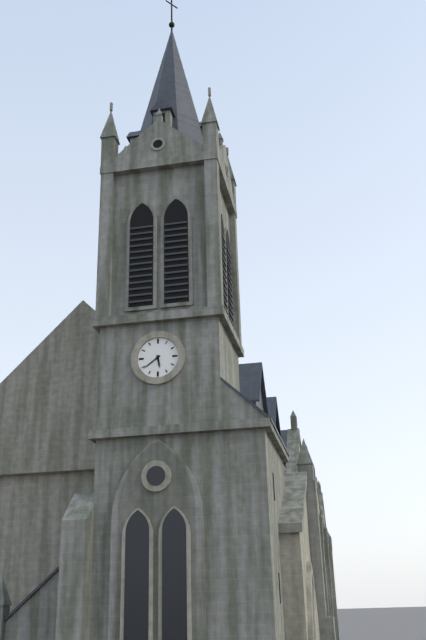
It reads 5:39
